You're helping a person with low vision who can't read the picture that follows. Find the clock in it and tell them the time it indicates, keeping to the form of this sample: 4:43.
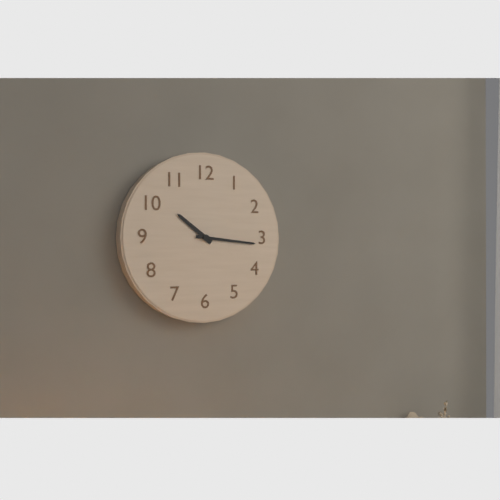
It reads 10:16
